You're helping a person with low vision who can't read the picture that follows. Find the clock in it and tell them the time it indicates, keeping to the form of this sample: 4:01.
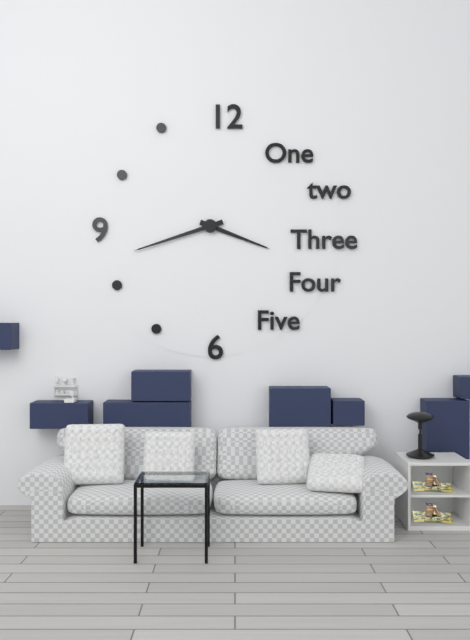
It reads 3:42
